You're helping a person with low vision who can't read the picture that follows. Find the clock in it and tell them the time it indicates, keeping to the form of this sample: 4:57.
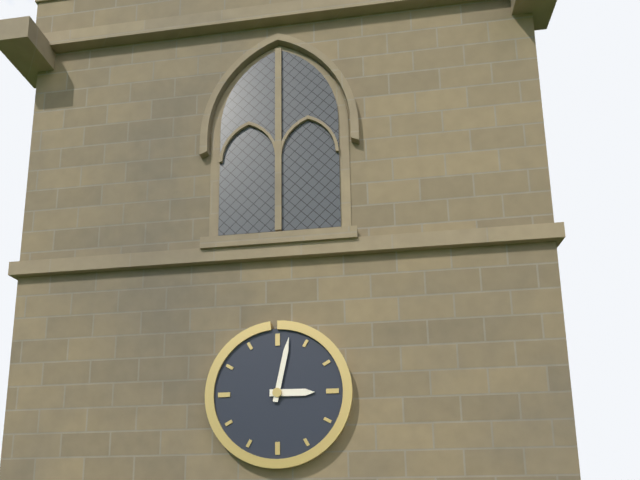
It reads 3:02
